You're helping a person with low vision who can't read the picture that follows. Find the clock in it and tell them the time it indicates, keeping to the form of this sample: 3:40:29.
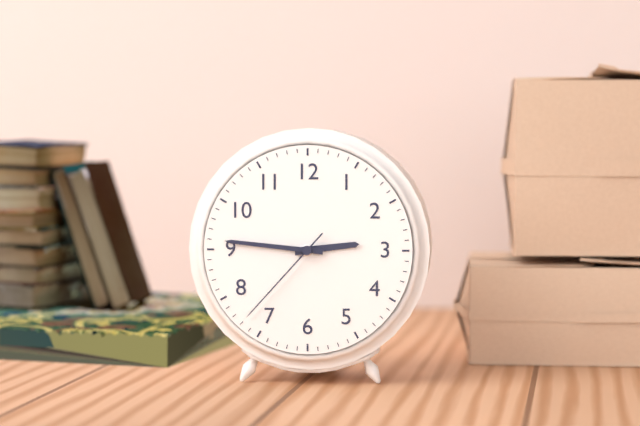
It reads 2:46:37
